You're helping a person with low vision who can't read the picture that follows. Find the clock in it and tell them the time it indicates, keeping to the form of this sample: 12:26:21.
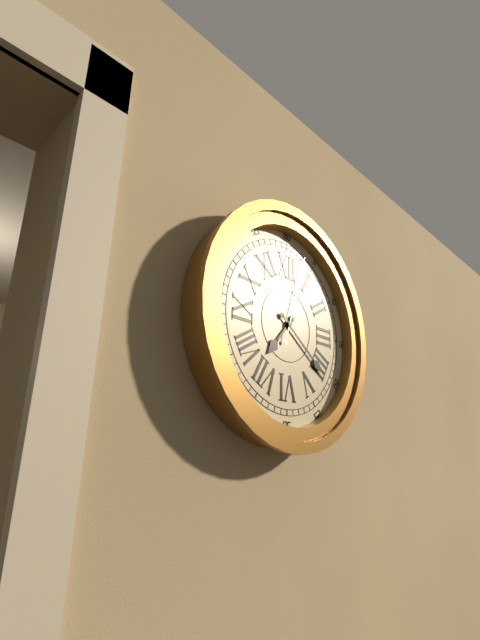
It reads 7:21:03
